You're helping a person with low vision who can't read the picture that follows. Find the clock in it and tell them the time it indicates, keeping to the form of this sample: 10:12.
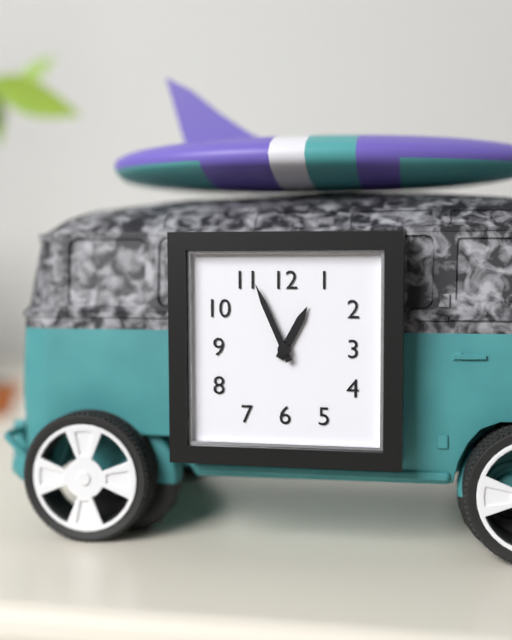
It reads 12:56
